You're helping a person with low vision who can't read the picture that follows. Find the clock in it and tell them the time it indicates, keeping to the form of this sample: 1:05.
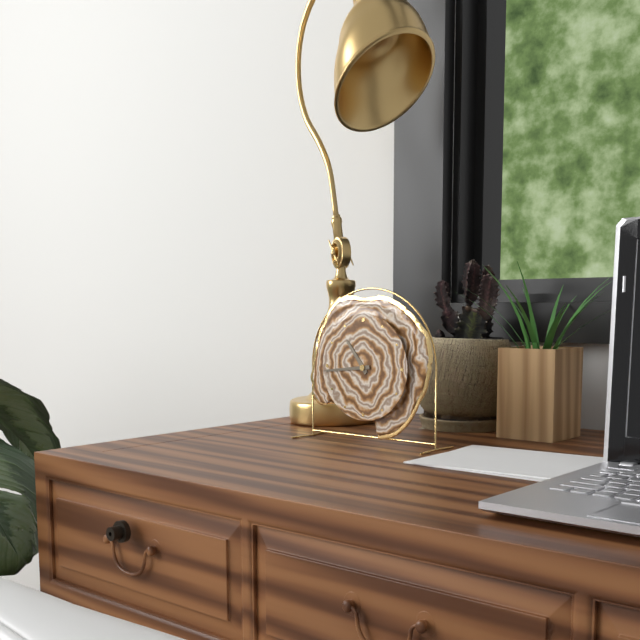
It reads 10:44
